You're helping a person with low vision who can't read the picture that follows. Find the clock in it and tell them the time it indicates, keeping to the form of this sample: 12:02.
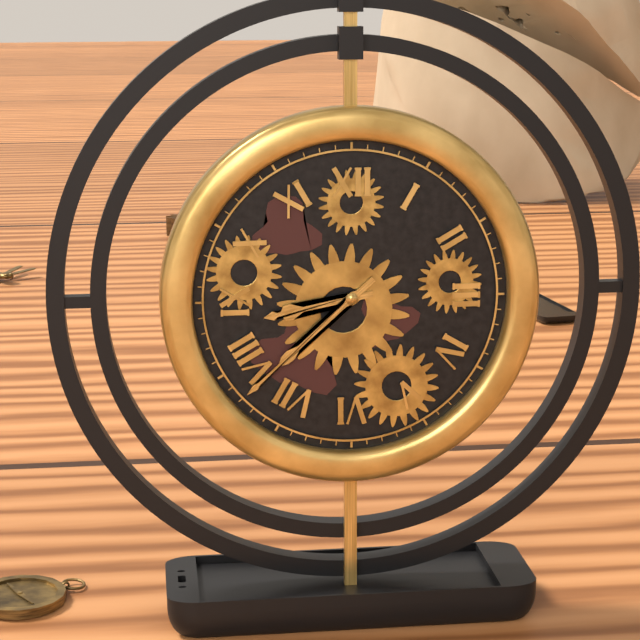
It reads 8:38
